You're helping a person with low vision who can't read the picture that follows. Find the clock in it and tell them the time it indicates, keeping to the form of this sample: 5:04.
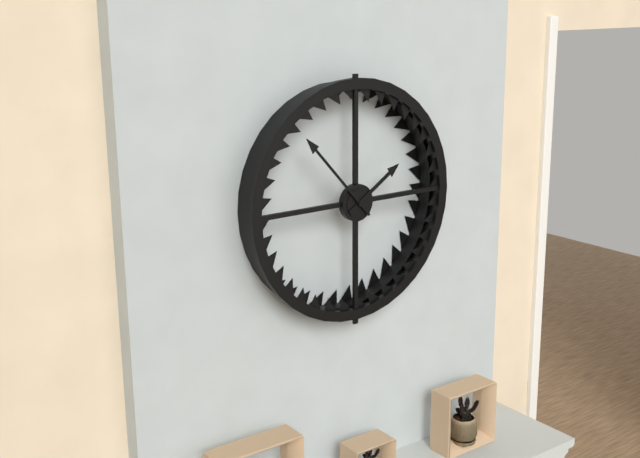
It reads 1:53
